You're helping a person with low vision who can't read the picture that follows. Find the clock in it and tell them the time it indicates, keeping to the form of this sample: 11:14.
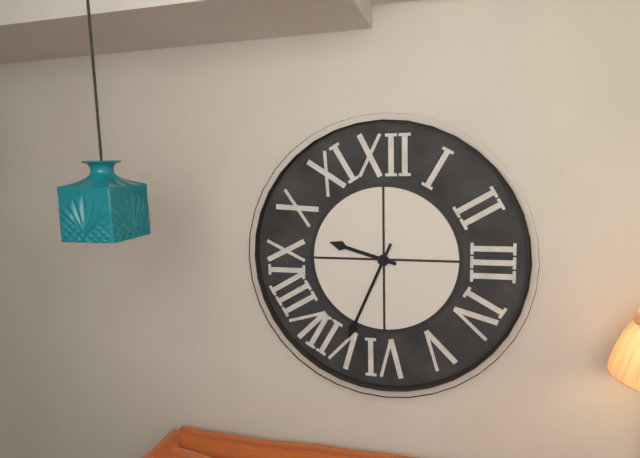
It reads 9:34
